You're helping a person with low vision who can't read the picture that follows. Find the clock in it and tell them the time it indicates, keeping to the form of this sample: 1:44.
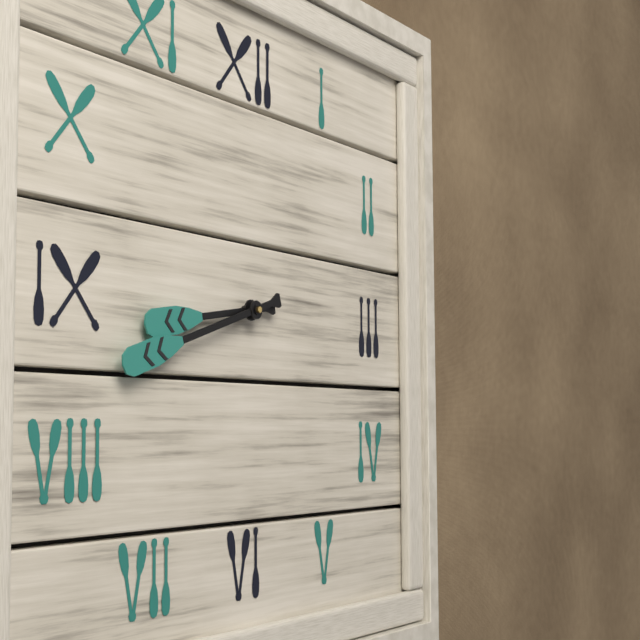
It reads 8:42
